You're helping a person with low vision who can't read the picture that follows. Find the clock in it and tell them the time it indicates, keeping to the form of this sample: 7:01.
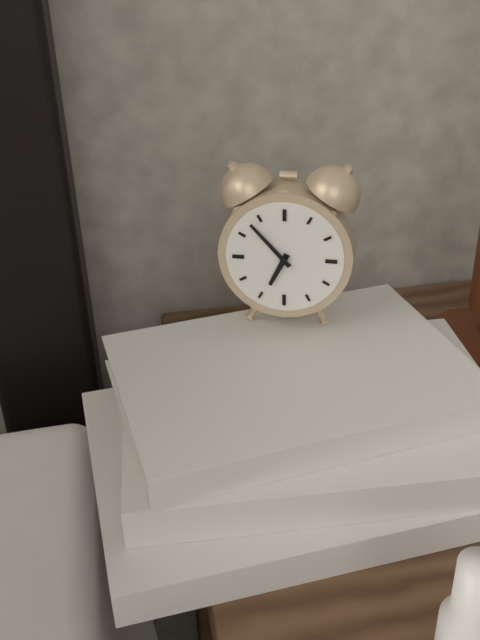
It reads 6:53
